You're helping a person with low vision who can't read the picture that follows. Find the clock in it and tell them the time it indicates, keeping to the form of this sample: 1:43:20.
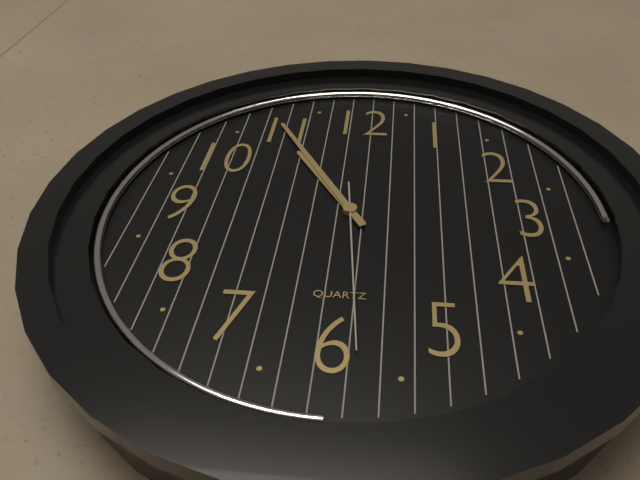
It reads 10:55:29
